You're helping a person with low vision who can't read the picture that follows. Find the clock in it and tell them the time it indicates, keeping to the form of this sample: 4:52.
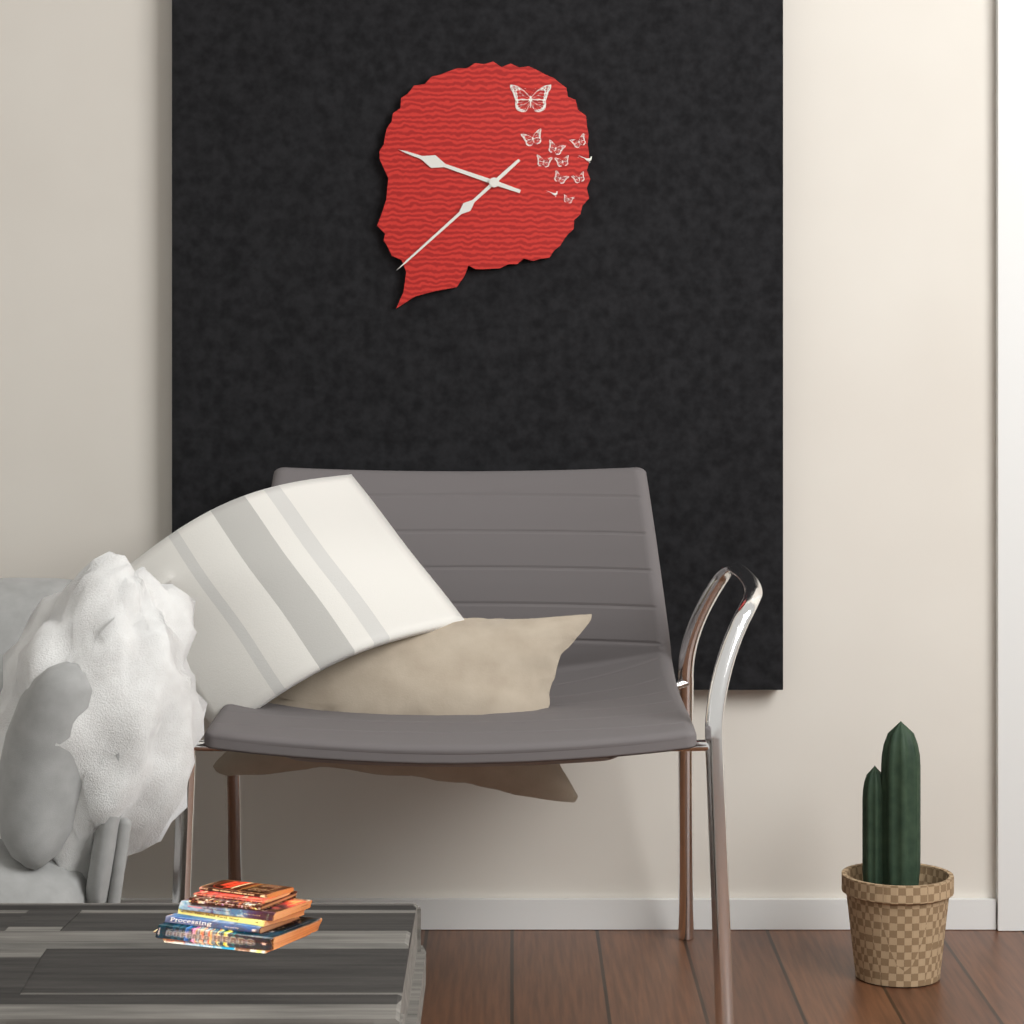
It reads 9:38
